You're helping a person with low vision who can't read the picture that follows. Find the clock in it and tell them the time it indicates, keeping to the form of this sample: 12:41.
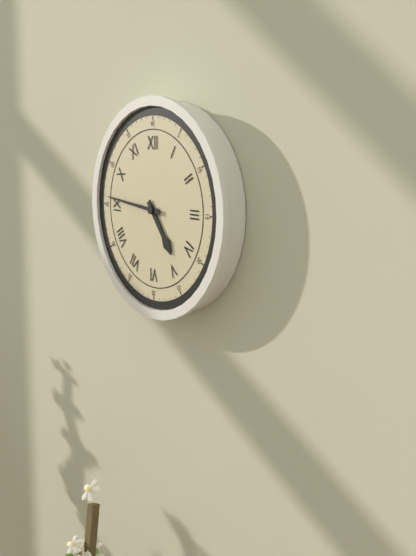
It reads 4:46
